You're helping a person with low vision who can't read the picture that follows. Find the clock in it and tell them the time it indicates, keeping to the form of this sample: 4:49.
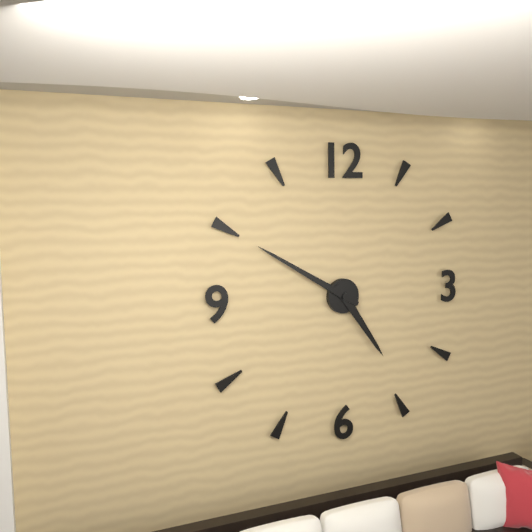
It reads 4:50
